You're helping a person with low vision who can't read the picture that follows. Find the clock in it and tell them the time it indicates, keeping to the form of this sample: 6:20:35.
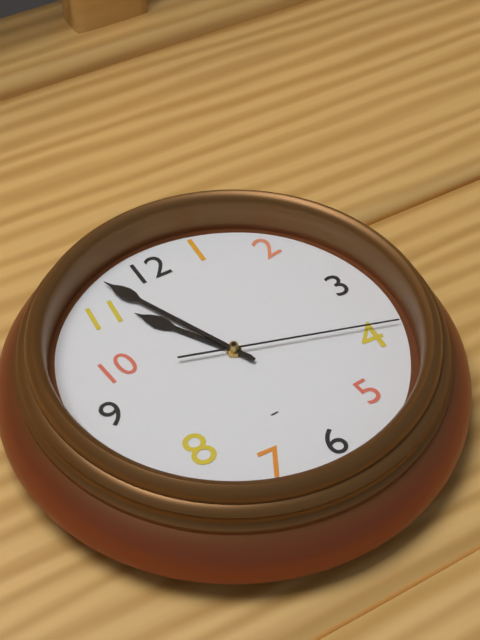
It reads 10:56:18
